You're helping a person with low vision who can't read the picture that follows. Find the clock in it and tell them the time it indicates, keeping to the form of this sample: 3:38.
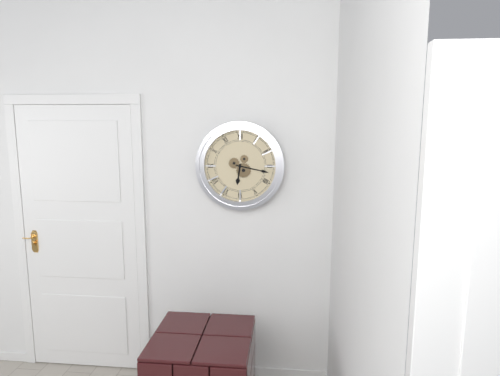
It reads 6:17
